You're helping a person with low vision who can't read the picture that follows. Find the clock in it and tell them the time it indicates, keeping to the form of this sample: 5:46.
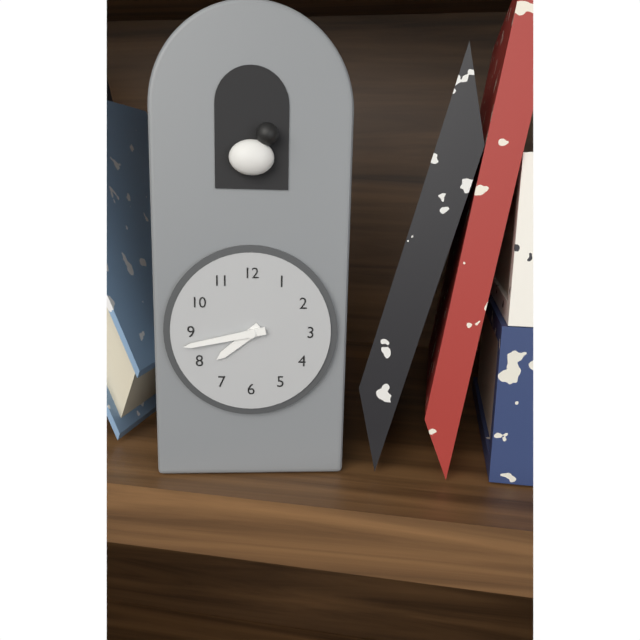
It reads 7:43
